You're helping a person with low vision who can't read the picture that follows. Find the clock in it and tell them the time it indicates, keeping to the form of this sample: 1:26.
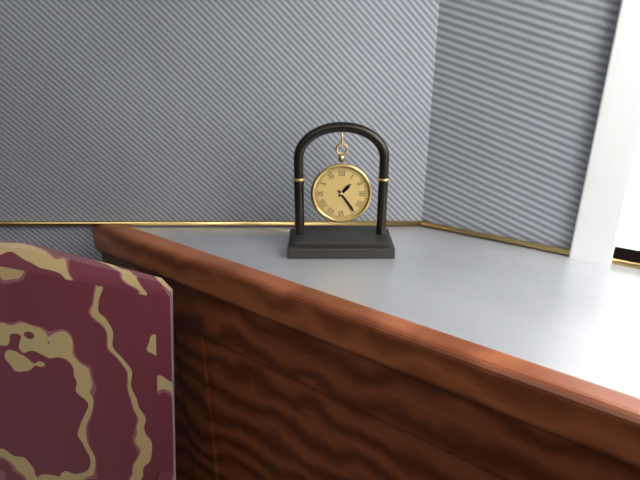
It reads 1:24
